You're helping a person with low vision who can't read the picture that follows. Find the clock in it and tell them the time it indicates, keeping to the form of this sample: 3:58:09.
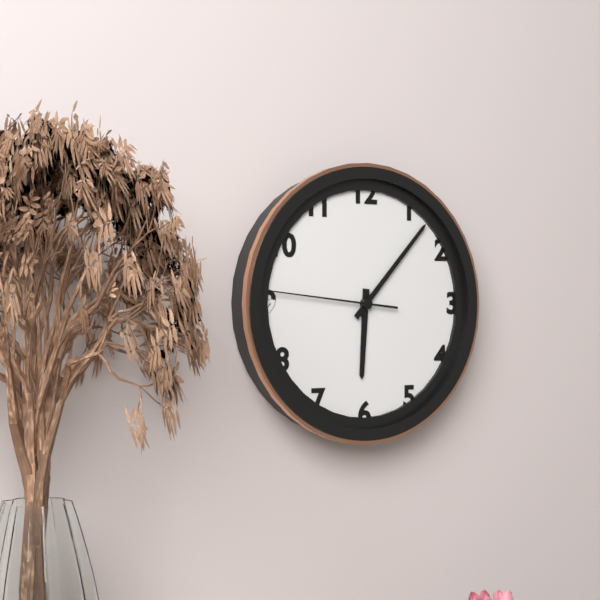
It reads 6:07:46
